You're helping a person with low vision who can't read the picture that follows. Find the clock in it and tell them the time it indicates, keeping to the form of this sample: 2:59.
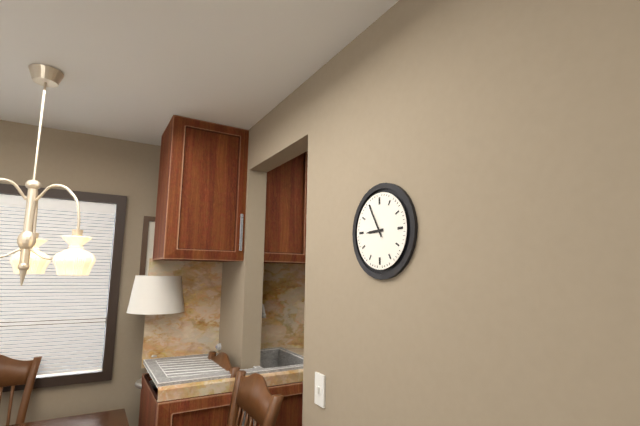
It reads 8:55
